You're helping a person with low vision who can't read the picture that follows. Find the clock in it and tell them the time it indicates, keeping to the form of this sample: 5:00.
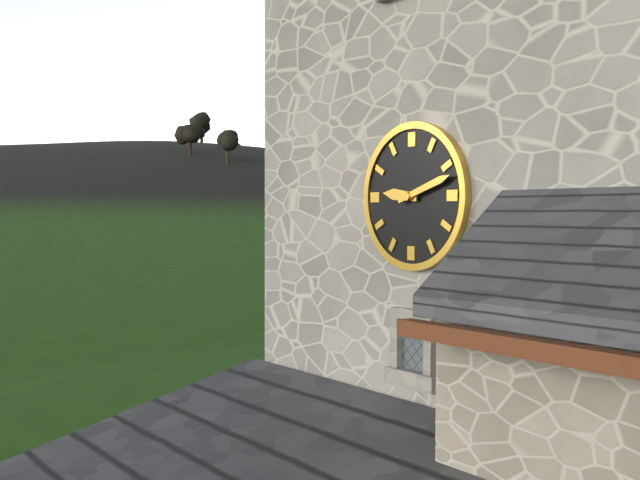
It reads 9:12
